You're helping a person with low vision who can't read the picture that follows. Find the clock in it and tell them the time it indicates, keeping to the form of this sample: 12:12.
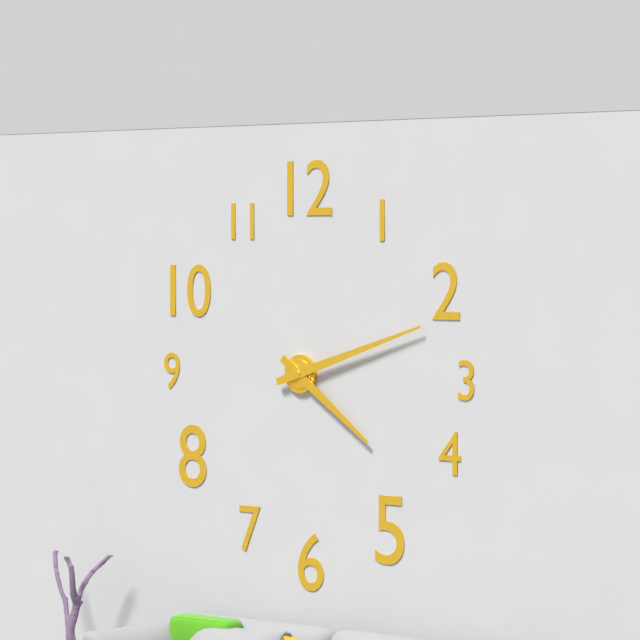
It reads 4:12
